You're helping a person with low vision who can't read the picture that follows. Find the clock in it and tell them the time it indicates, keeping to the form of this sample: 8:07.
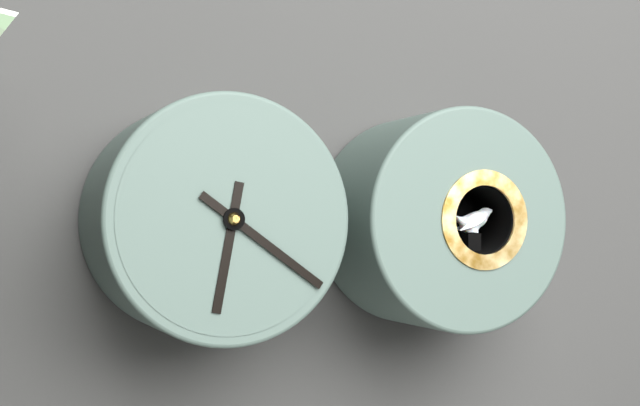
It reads 6:21
